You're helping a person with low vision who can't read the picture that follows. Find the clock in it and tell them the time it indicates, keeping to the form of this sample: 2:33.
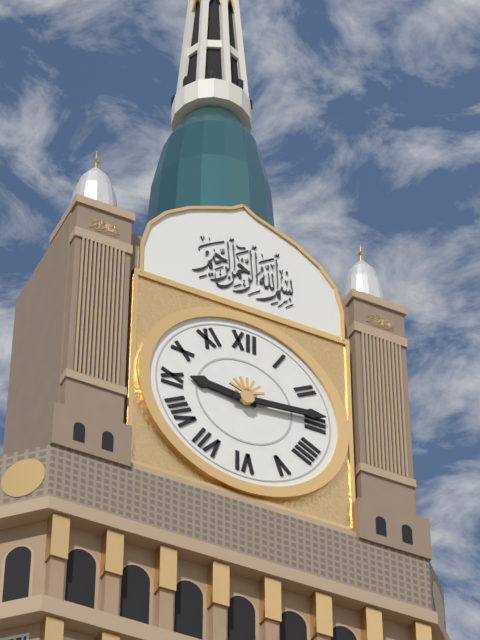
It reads 9:14
